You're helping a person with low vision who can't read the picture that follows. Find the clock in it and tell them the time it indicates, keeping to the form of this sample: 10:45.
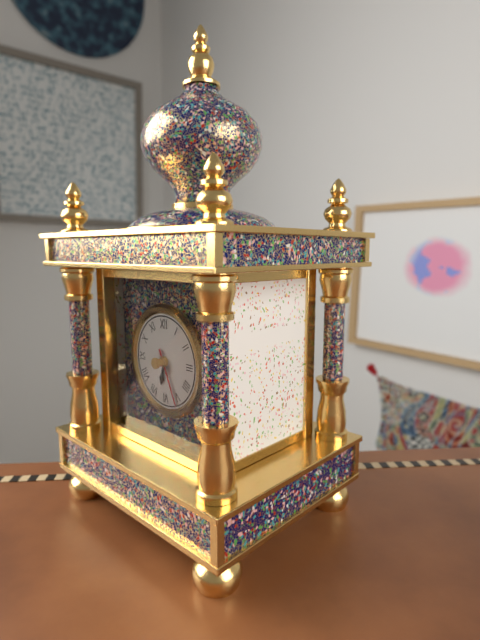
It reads 6:26
